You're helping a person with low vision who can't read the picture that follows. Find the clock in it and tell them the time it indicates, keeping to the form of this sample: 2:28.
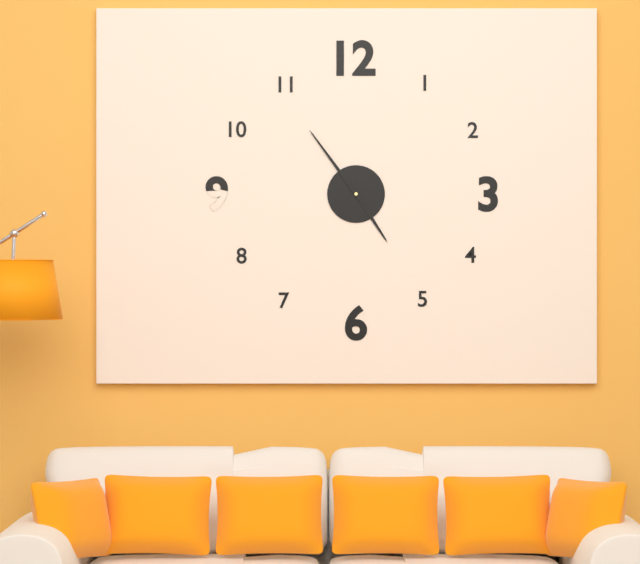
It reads 4:54
